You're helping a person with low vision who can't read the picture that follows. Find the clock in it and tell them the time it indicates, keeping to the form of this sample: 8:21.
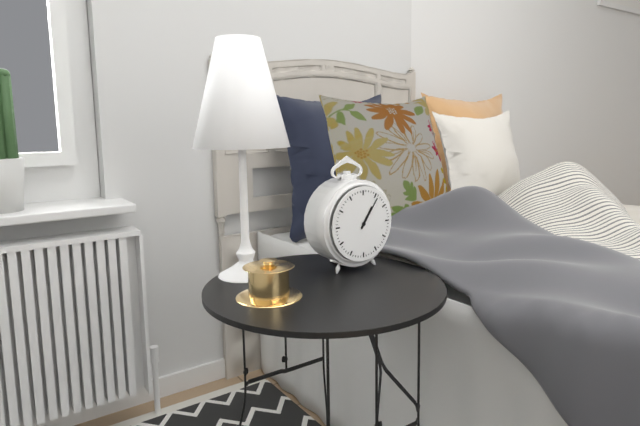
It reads 1:06
